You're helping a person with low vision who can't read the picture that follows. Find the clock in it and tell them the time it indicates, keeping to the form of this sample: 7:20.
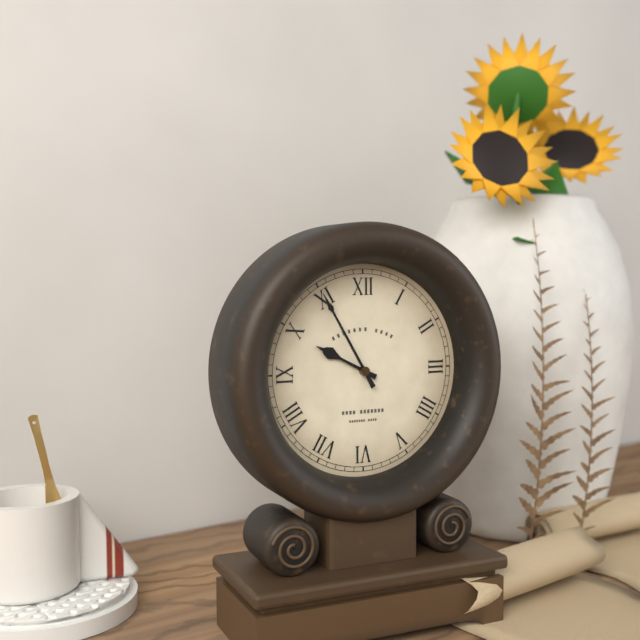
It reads 9:55
